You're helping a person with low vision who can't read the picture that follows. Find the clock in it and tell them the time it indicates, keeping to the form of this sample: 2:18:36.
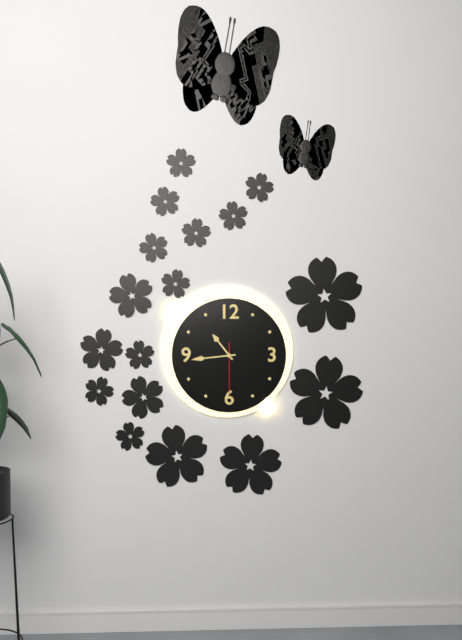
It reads 10:44:30
